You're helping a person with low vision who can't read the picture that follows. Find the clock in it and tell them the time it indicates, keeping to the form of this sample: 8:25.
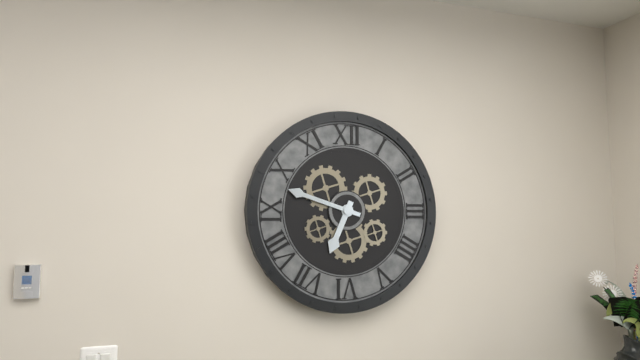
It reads 6:48
